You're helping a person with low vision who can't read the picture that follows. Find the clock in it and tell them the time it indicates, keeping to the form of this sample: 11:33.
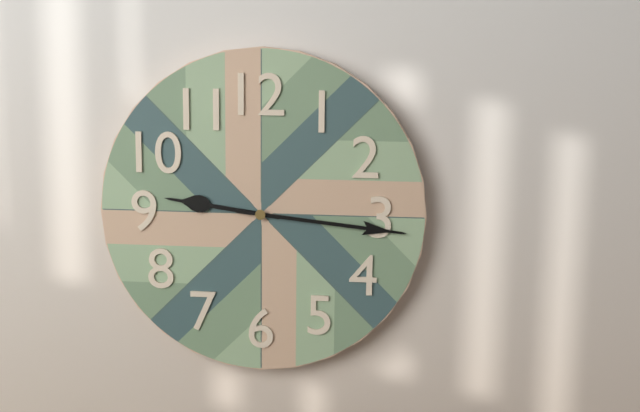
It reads 9:16
